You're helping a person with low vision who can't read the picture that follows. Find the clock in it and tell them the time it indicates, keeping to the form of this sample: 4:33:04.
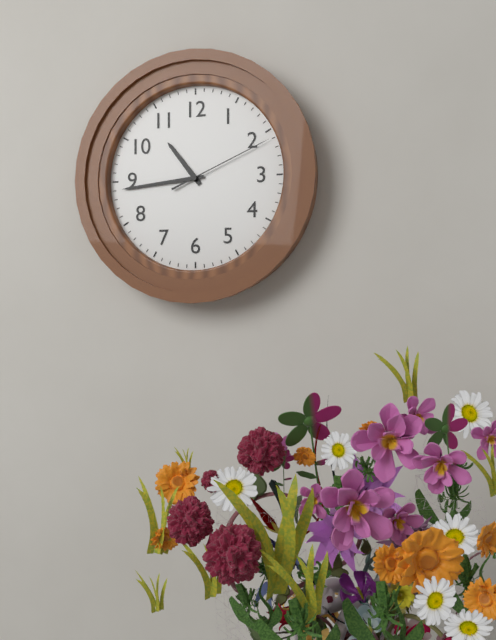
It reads 10:44:11
